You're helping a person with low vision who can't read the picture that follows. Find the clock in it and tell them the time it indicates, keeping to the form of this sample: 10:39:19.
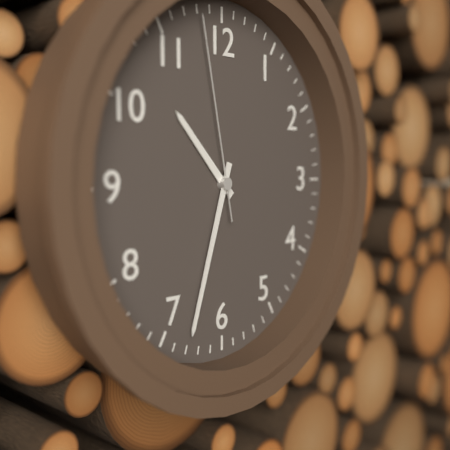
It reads 10:33:58
